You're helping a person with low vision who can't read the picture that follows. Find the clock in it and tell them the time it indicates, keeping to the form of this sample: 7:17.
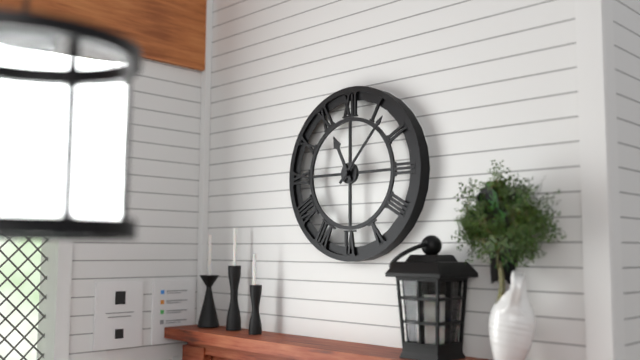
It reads 11:07
